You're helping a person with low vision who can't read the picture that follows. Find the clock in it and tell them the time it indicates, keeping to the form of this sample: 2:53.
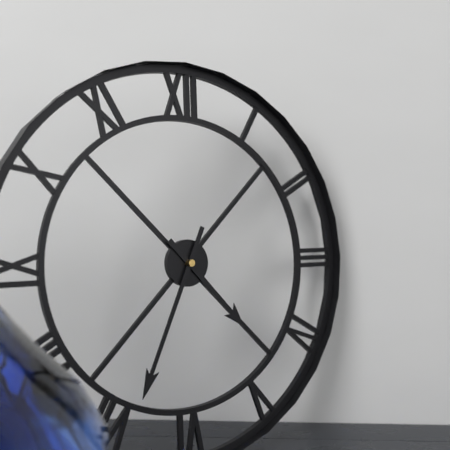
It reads 4:34
